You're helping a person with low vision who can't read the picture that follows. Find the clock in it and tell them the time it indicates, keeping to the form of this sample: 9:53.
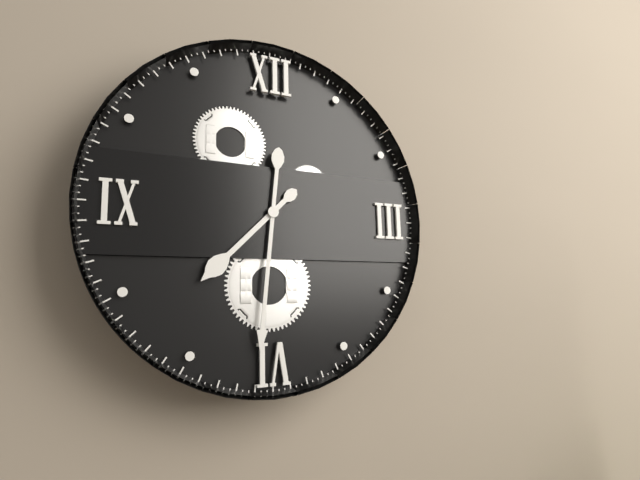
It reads 7:31
